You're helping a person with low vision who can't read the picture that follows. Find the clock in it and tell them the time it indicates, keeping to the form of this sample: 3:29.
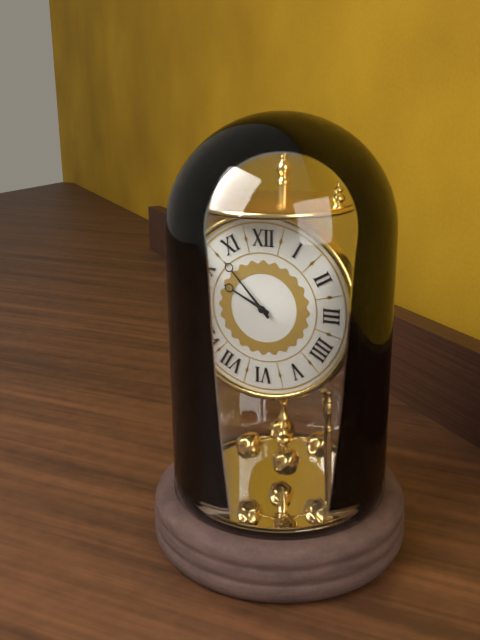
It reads 9:53
